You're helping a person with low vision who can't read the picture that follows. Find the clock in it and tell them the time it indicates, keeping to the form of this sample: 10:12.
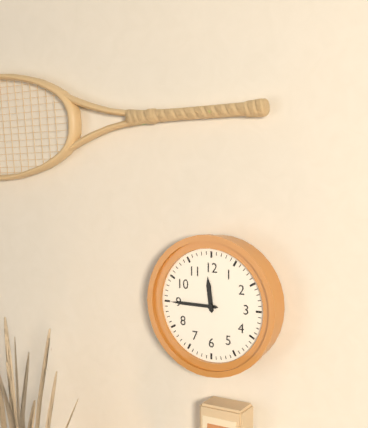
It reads 11:45
